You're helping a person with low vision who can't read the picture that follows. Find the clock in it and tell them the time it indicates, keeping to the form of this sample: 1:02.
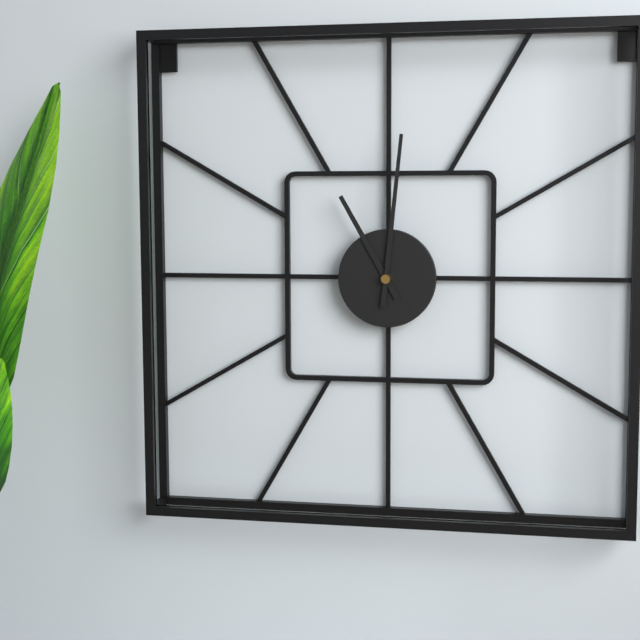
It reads 11:01
